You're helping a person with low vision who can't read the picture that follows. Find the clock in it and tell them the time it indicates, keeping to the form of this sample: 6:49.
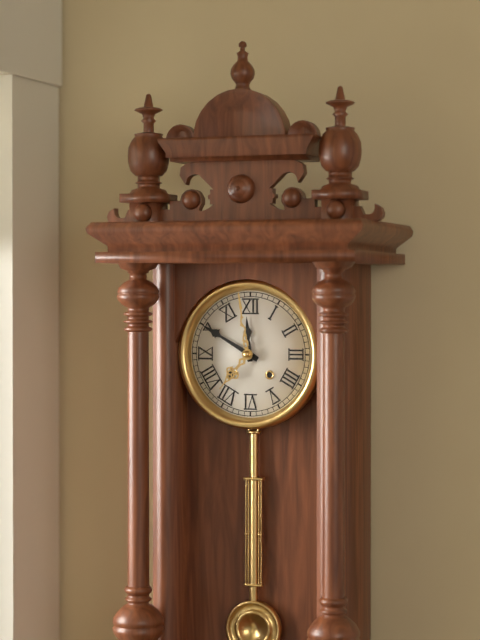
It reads 11:50
